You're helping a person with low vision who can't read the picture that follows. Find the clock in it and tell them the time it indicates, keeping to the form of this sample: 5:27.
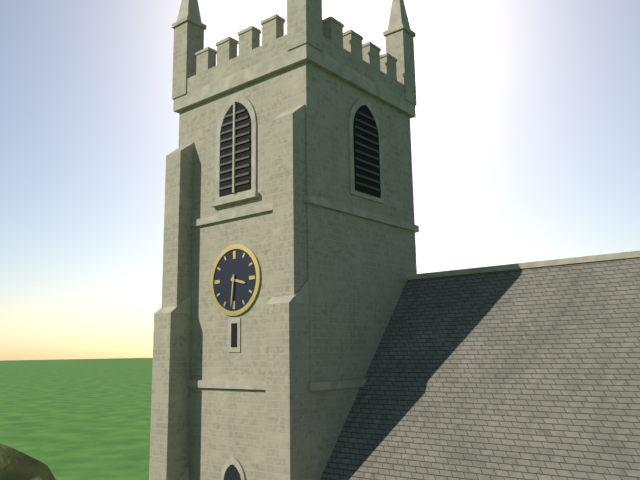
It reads 3:31
